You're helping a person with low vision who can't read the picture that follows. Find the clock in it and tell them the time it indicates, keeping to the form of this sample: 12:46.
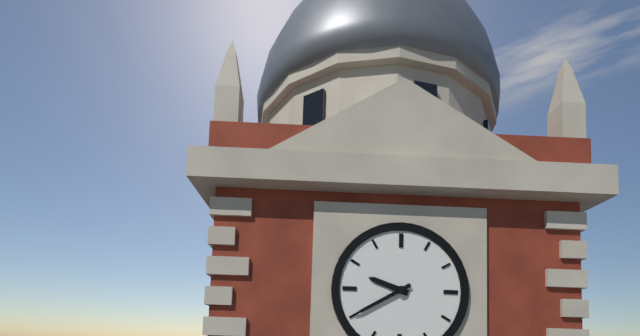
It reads 9:40
